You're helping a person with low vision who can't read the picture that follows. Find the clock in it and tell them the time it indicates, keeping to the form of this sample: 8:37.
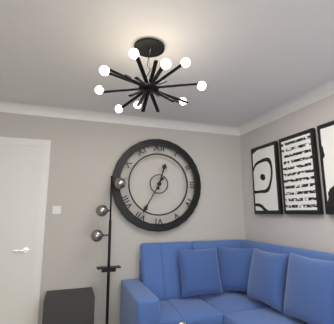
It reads 12:35
